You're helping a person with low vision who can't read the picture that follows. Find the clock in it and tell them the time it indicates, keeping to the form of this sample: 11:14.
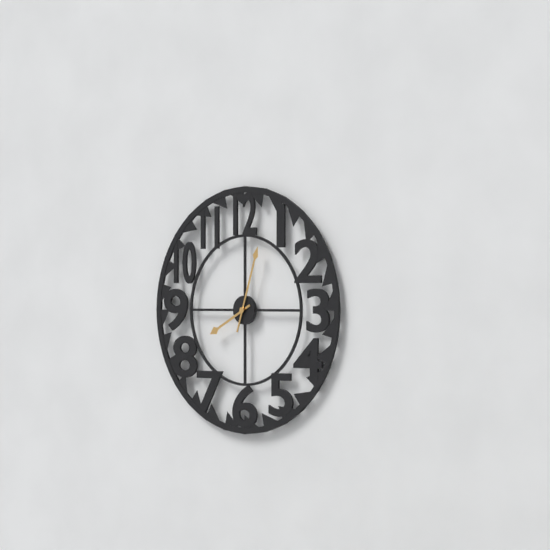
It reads 8:03
